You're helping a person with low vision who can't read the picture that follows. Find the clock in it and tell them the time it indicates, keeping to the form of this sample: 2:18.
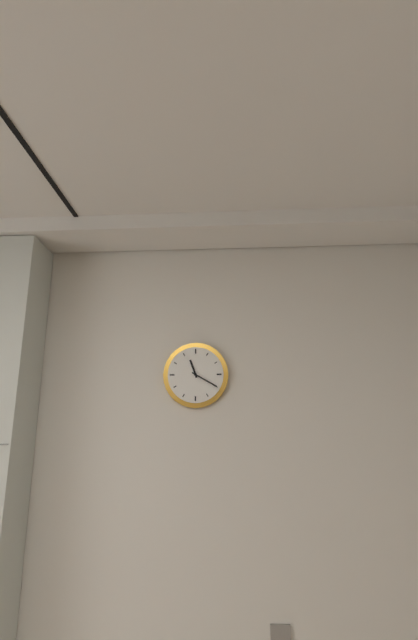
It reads 11:20
